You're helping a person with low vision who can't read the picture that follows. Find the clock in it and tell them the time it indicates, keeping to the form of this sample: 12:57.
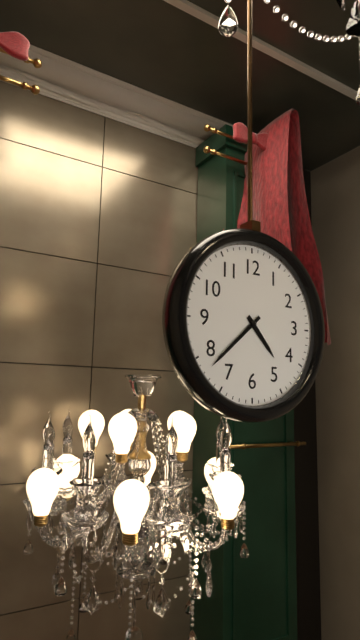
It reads 4:38
